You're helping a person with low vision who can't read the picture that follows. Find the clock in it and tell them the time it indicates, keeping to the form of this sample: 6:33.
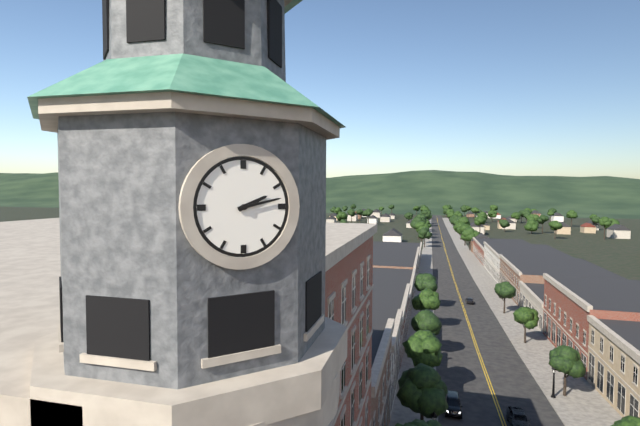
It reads 2:13
